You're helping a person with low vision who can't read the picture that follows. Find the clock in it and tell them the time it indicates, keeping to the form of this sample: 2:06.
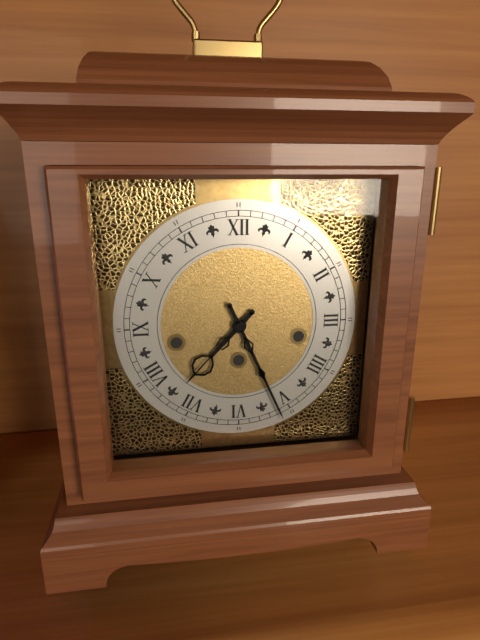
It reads 7:26
